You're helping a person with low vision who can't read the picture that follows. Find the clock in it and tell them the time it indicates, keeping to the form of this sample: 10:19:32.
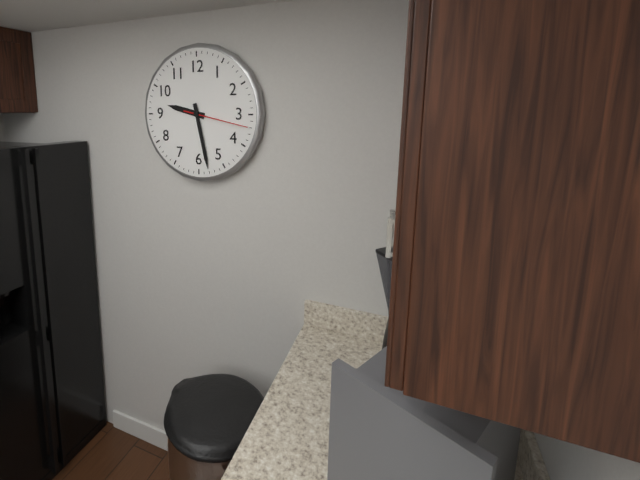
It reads 9:28:17
